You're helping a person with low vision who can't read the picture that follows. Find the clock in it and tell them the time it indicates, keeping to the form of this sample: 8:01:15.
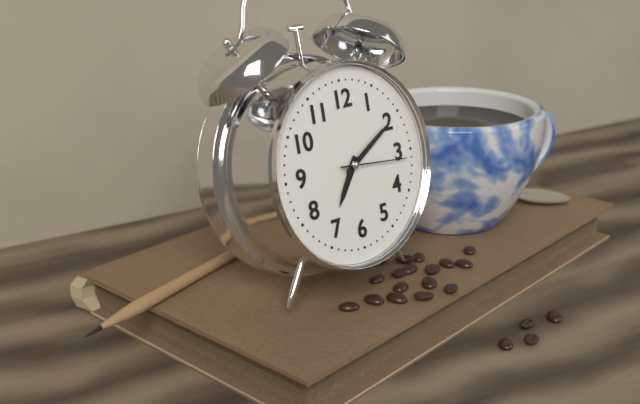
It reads 7:10:16
